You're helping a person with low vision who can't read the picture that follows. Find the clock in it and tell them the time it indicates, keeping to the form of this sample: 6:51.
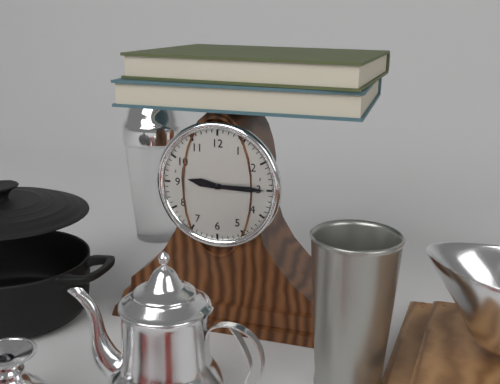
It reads 9:15
